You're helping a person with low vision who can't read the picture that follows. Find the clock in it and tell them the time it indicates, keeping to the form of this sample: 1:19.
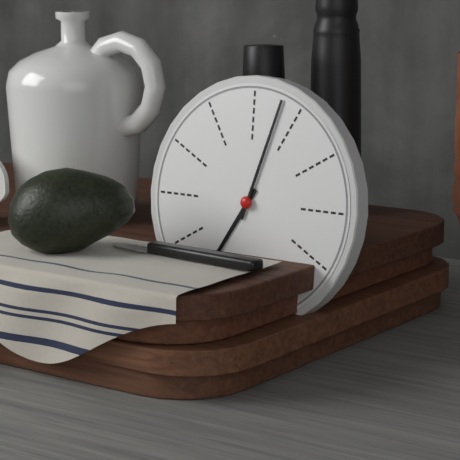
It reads 7:03
